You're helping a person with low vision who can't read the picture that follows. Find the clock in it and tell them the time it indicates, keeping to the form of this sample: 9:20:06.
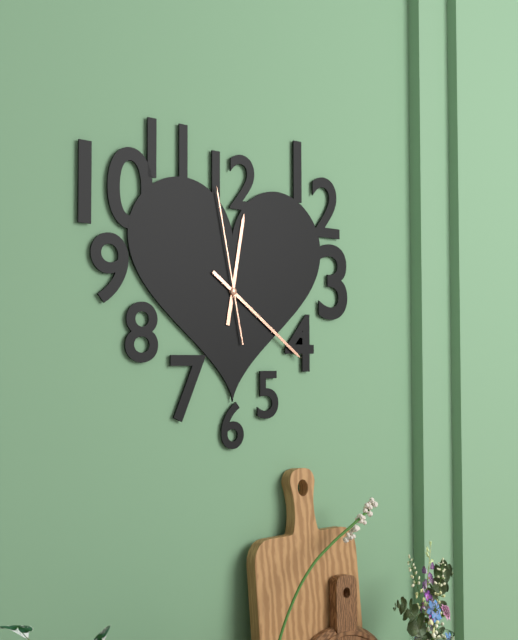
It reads 12:21:58
